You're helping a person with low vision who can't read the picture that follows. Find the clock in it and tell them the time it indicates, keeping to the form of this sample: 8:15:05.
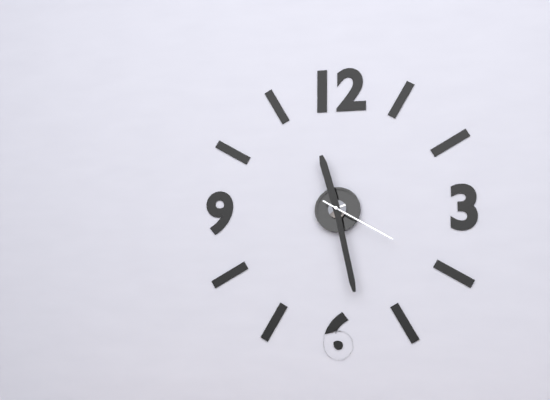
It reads 11:28:20
